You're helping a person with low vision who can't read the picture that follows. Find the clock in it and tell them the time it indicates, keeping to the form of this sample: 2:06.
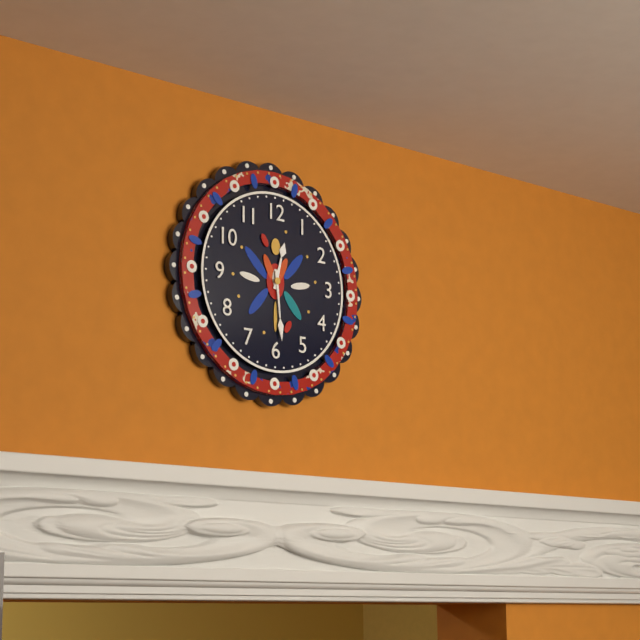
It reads 12:29
